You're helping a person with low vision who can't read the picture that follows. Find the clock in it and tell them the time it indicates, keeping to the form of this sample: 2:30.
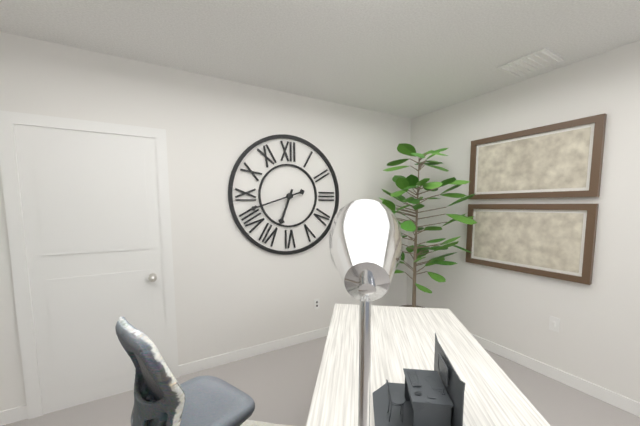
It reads 6:42
